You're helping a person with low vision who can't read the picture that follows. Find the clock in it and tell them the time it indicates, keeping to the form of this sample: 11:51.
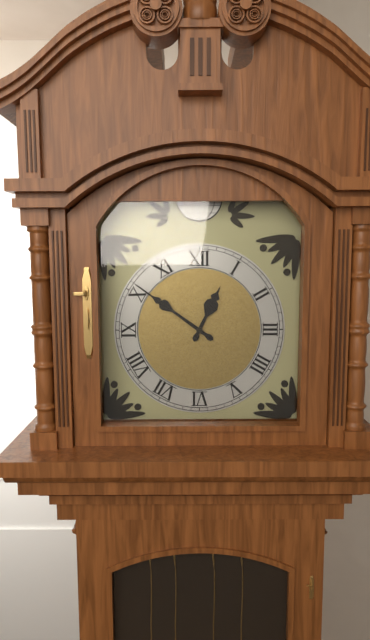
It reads 12:51
